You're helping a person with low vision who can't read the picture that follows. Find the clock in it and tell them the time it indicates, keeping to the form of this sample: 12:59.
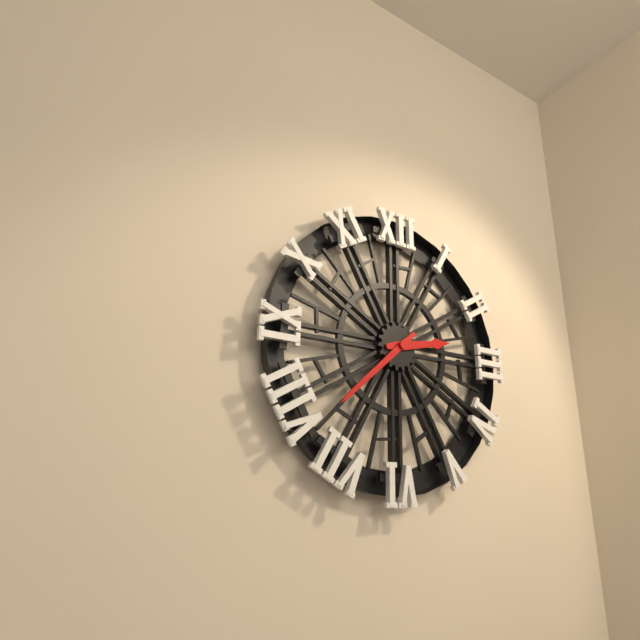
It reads 2:38
